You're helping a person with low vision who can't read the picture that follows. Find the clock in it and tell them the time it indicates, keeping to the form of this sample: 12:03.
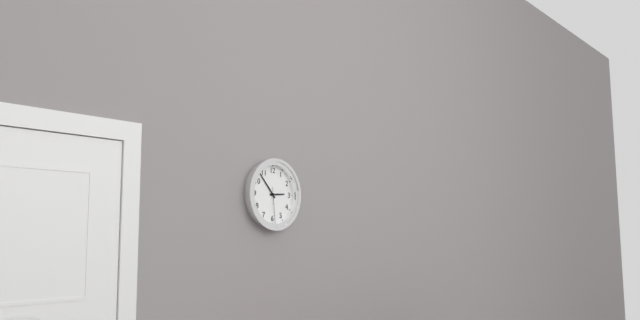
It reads 2:53
